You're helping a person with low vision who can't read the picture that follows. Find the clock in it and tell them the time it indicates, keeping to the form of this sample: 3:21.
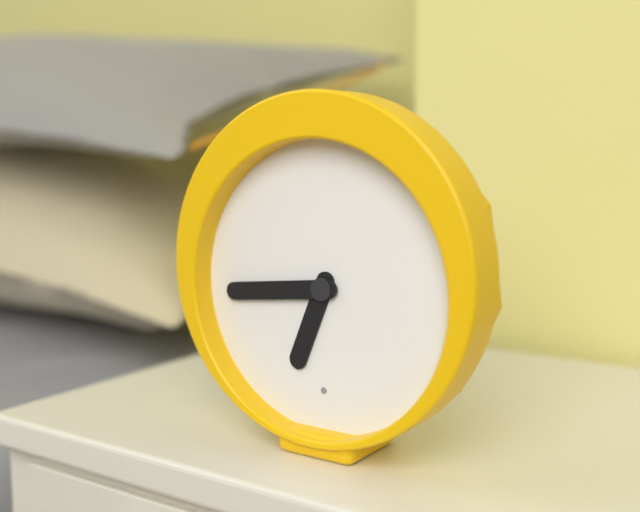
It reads 6:44
